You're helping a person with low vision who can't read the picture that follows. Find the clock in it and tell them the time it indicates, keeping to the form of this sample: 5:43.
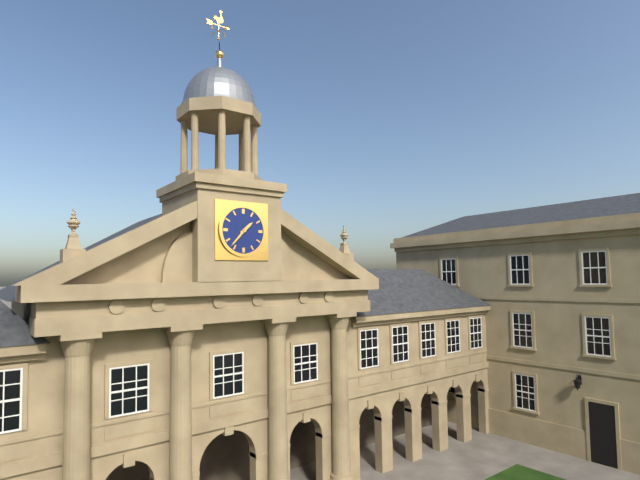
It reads 1:37
